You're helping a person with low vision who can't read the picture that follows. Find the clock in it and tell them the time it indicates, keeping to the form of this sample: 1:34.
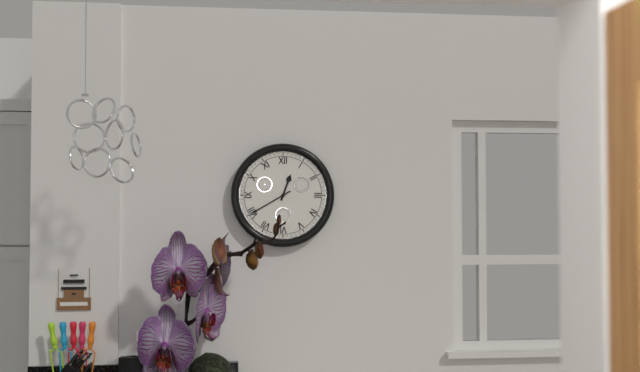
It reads 12:40
